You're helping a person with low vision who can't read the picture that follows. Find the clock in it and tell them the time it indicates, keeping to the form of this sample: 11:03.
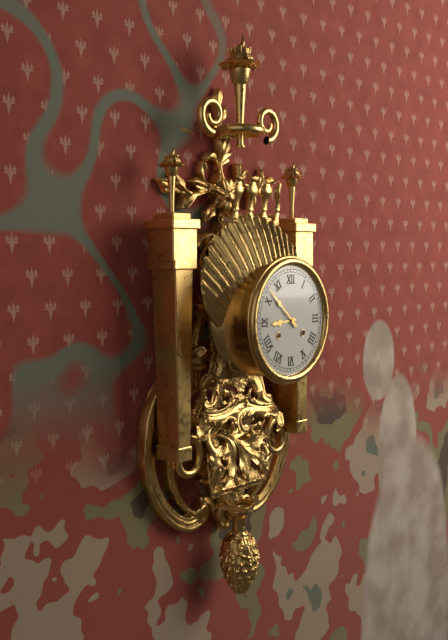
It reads 8:52
